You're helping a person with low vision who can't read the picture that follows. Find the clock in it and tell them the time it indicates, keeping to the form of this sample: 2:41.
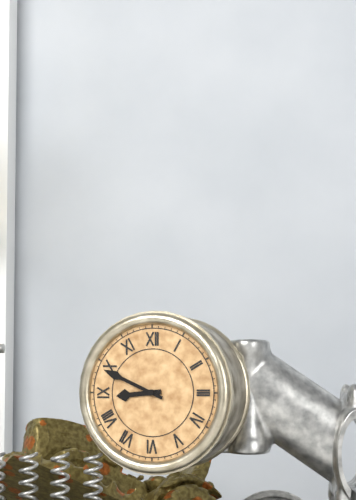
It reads 8:49
